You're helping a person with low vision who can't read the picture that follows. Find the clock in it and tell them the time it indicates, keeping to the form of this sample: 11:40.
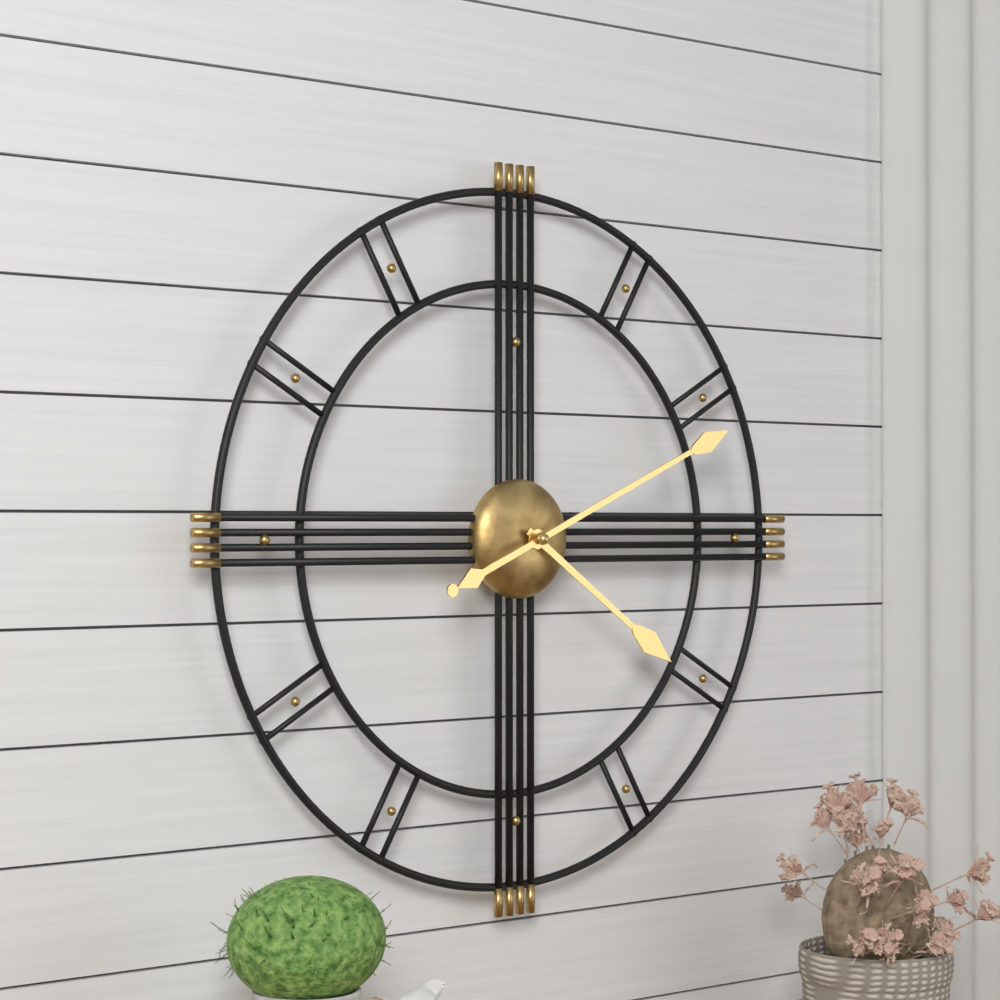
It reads 4:11
